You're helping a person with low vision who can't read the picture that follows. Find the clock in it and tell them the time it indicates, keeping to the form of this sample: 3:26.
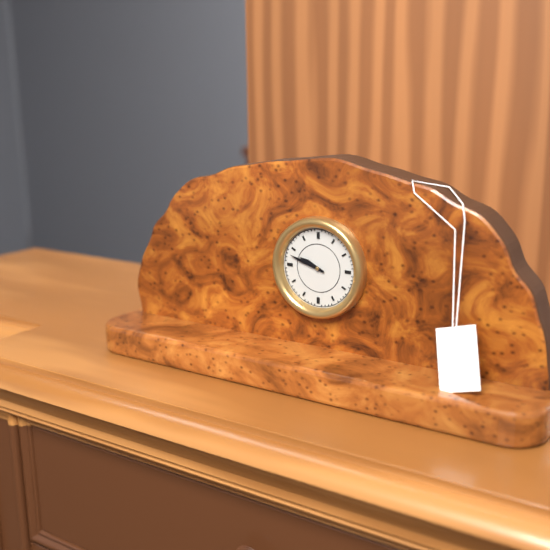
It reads 9:48
